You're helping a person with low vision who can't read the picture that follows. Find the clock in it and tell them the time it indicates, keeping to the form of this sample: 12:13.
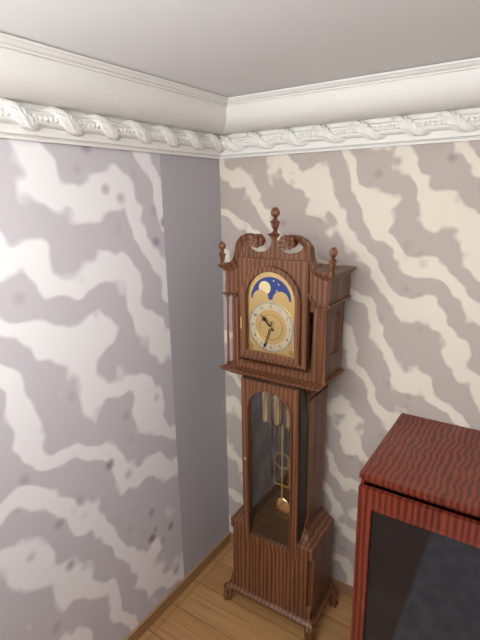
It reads 10:33
